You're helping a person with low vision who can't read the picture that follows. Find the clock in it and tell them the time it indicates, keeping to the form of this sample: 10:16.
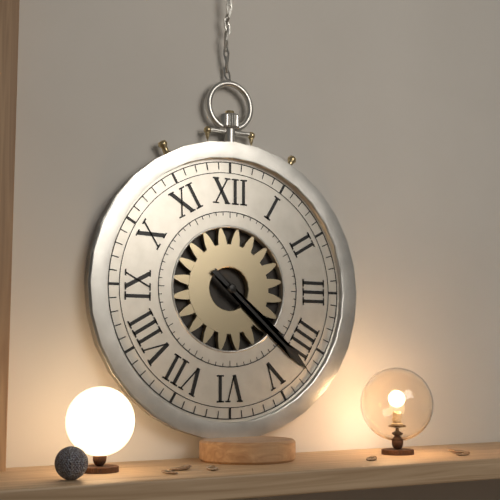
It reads 4:22
